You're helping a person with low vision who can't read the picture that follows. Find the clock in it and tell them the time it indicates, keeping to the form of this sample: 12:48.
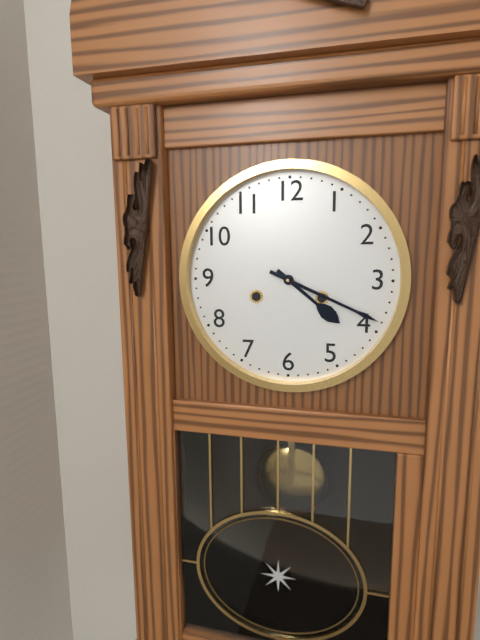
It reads 4:19
